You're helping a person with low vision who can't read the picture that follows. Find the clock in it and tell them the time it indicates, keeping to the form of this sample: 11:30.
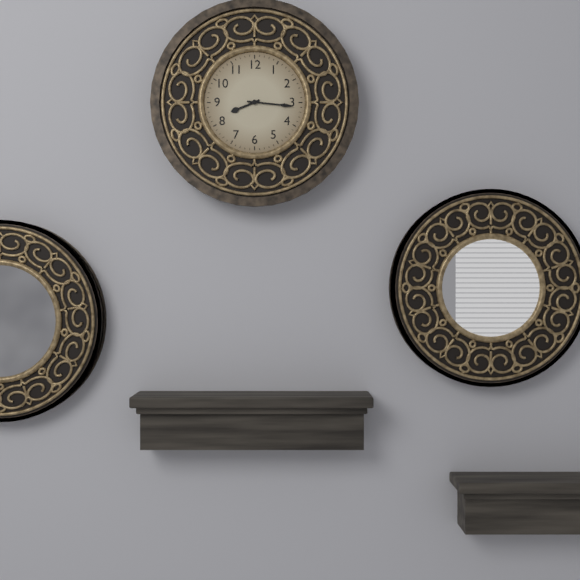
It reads 8:16
